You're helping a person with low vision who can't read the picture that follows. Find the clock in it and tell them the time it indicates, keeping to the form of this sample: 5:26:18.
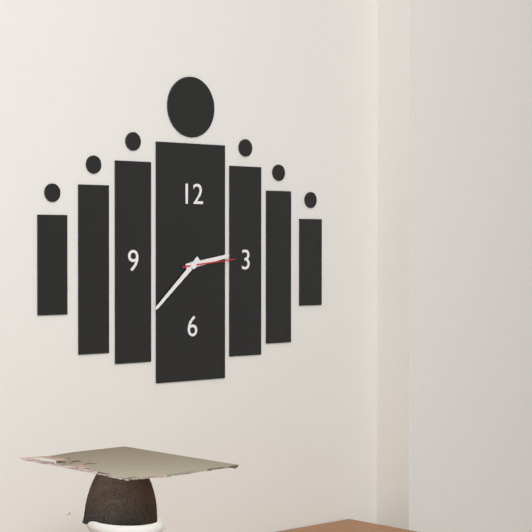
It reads 2:38:14
